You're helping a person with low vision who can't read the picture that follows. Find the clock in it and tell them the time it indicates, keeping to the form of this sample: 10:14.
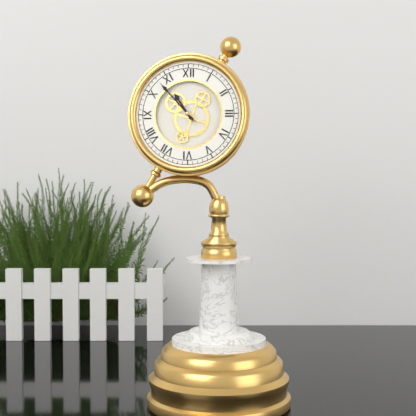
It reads 10:53
